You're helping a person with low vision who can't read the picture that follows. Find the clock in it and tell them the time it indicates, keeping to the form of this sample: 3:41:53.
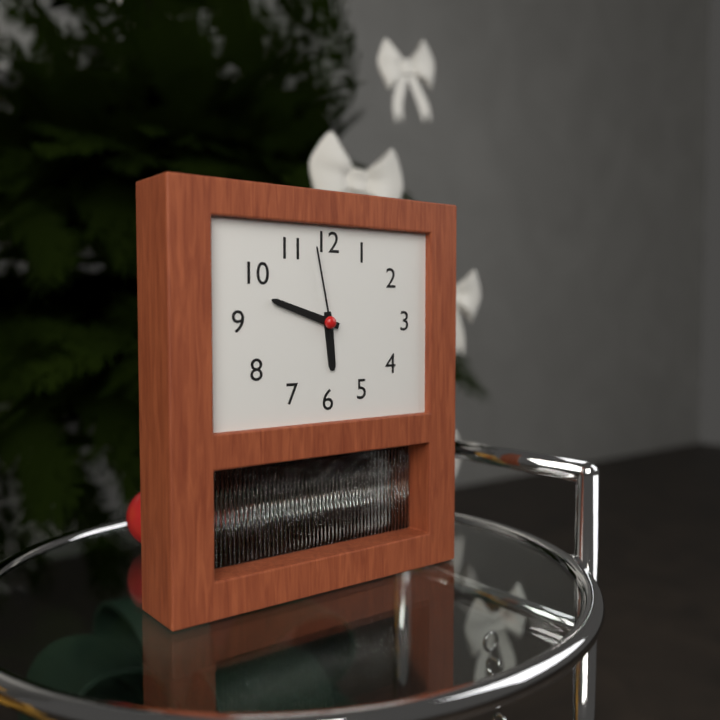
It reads 5:48:58
